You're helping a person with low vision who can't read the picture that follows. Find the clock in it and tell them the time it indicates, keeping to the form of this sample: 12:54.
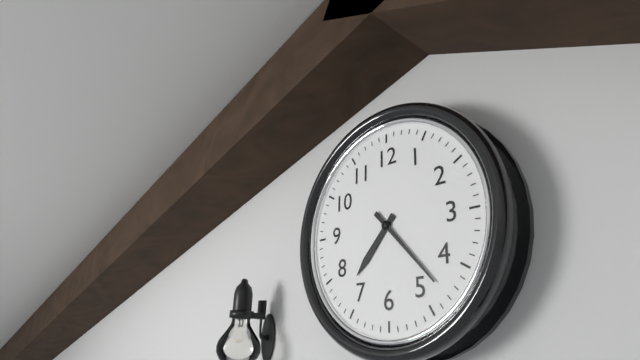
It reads 7:23
